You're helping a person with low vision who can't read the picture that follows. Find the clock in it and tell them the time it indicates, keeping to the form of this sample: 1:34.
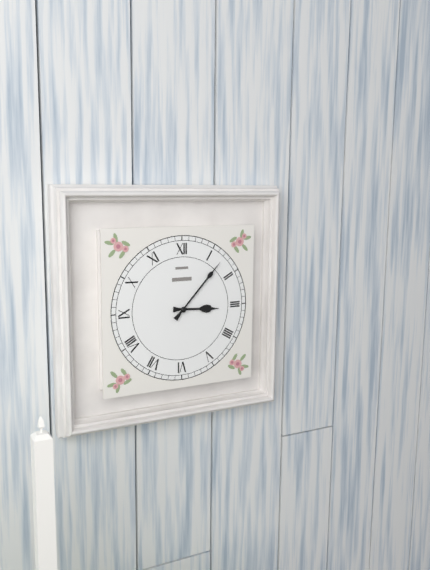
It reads 3:07
